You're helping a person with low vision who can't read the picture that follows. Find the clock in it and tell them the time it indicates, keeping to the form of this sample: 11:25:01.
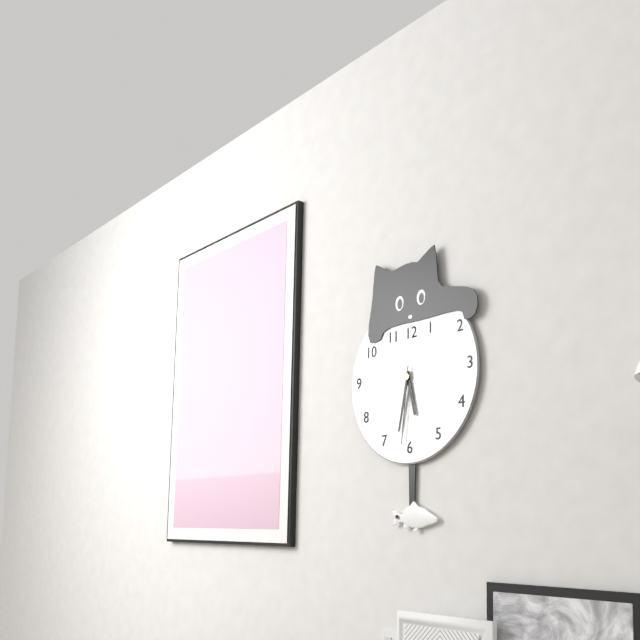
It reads 5:32:31
